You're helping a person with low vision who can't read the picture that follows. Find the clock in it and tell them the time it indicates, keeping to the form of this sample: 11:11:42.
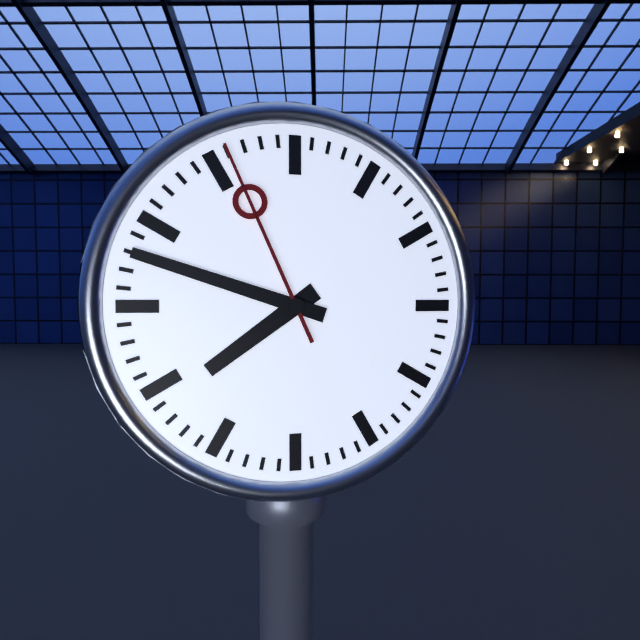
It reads 7:48:56
